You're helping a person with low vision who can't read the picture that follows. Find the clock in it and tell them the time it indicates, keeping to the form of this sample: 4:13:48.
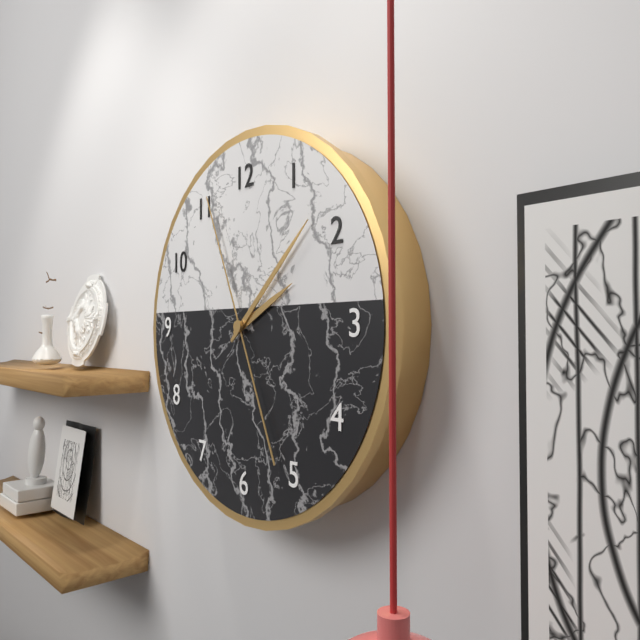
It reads 2:08:56
